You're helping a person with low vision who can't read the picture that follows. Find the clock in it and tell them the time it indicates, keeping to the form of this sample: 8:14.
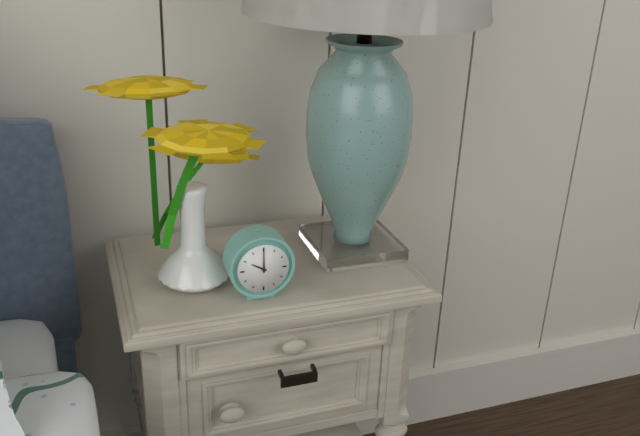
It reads 10:00
